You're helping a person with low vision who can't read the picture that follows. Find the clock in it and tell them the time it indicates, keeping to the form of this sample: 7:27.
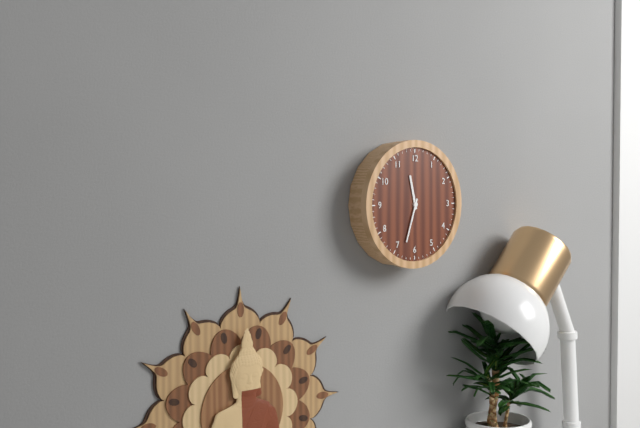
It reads 11:33
